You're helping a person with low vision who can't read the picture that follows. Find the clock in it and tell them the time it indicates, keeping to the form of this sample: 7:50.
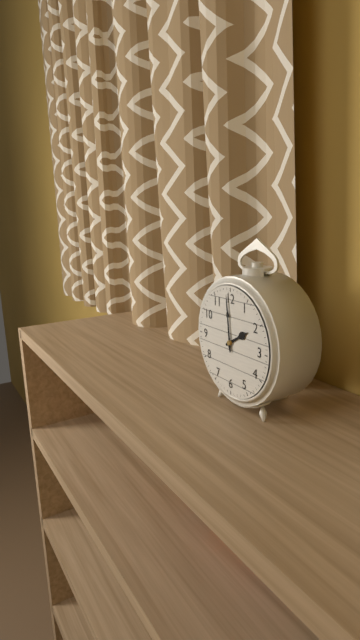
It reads 1:59
